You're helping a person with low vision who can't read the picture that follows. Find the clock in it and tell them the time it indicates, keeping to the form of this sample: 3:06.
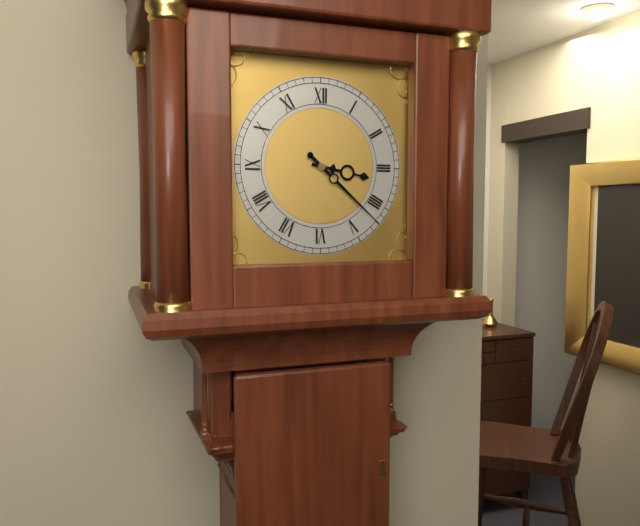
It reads 3:22
